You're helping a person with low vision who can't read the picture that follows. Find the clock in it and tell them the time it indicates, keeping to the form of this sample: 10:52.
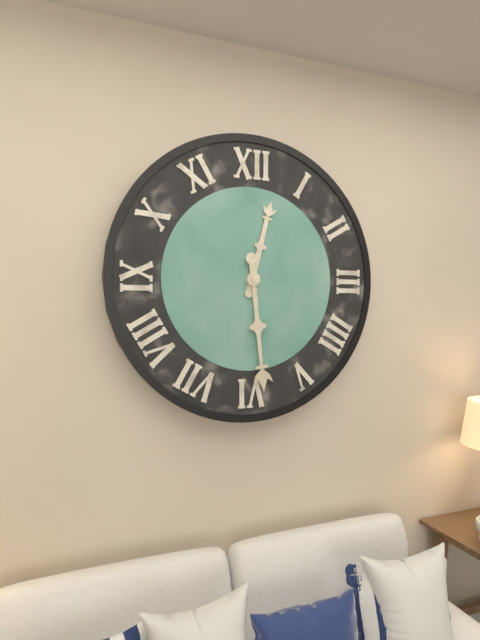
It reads 12:29
